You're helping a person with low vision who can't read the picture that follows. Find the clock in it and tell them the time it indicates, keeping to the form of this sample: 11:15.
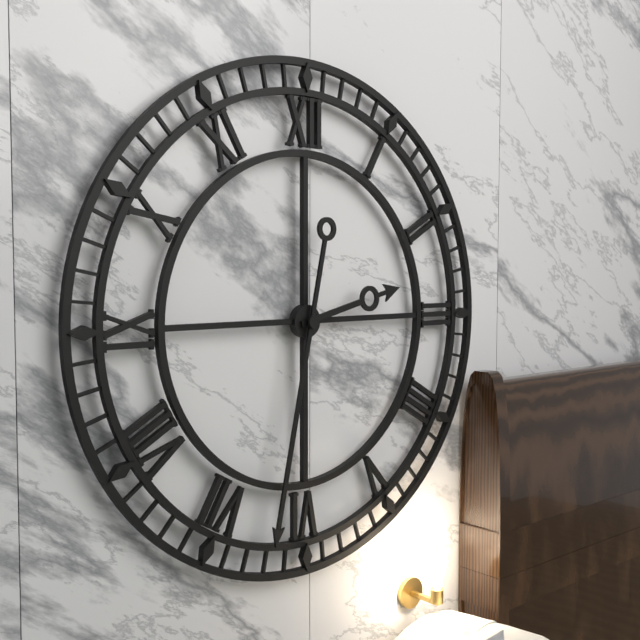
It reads 2:32
